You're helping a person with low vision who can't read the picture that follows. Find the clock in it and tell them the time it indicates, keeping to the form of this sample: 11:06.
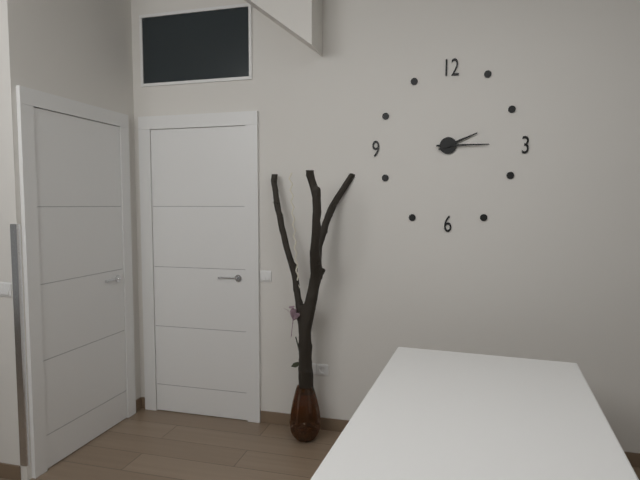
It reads 2:15
